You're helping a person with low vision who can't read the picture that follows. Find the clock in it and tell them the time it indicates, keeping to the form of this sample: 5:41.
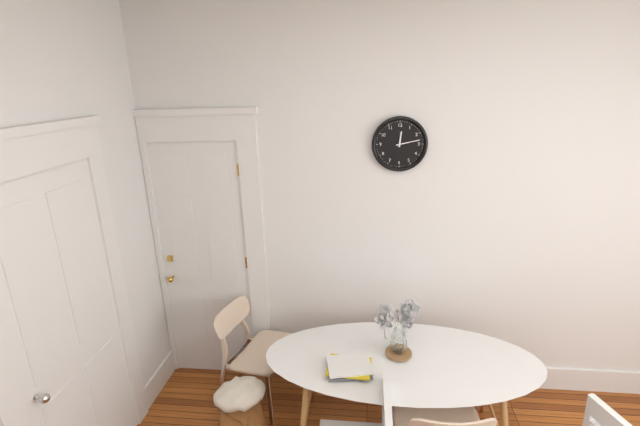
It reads 12:13
